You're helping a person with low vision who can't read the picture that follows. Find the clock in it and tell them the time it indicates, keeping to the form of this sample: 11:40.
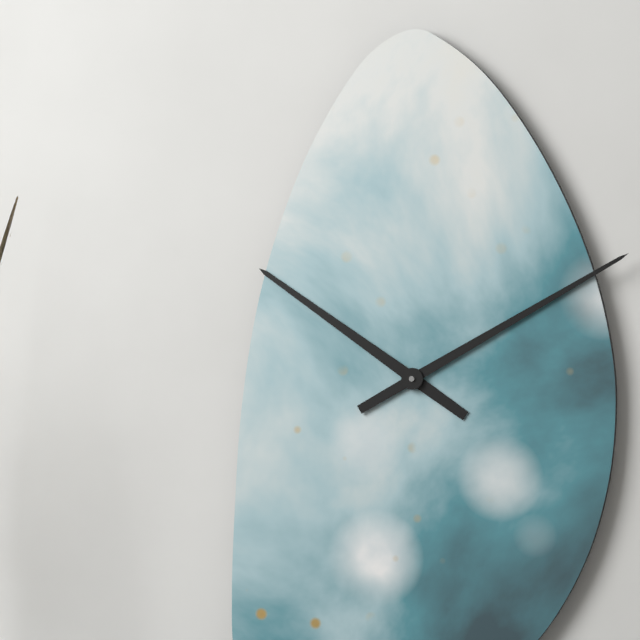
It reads 10:10
